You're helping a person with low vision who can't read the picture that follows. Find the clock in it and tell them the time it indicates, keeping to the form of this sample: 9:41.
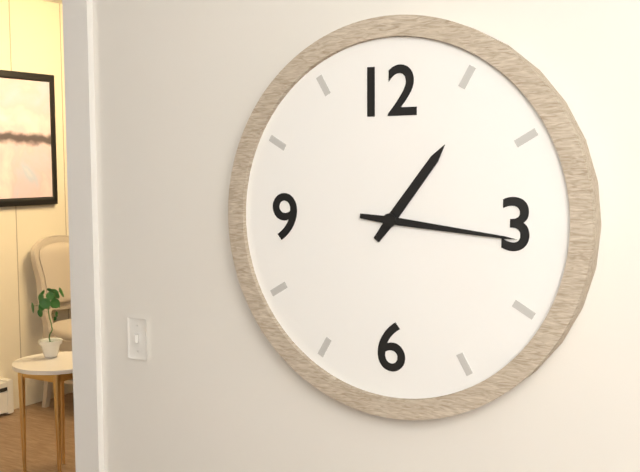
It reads 1:16
